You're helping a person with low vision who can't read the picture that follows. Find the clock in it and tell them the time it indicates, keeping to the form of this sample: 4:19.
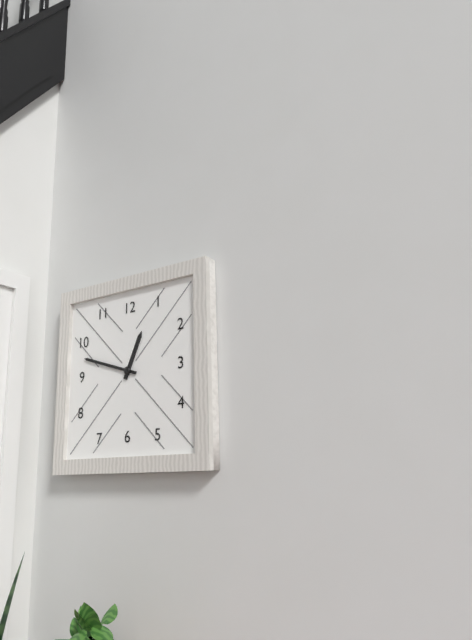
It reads 12:48
